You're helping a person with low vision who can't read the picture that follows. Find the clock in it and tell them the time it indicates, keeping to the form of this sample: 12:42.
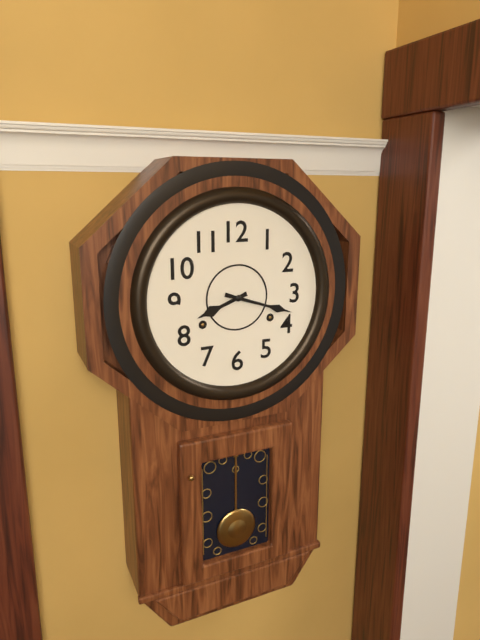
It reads 8:18
